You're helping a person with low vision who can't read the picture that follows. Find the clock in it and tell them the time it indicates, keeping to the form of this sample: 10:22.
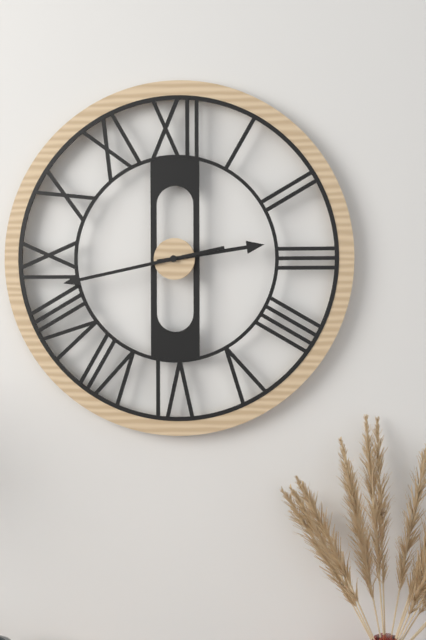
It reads 2:43
